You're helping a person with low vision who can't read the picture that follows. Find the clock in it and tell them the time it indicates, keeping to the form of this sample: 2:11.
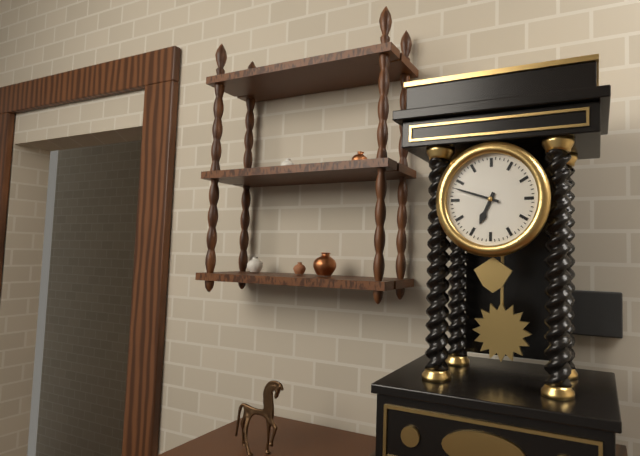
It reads 6:48
